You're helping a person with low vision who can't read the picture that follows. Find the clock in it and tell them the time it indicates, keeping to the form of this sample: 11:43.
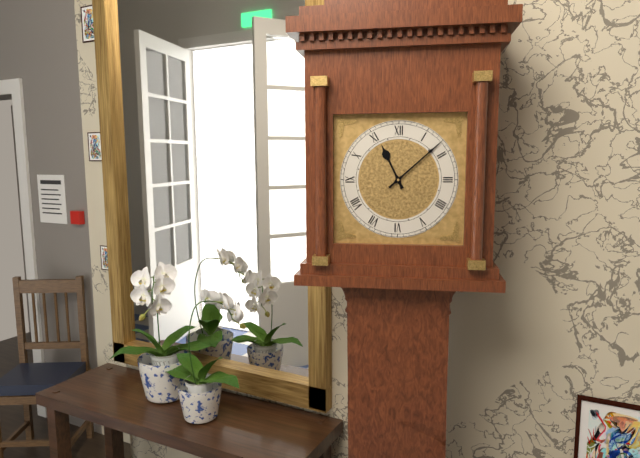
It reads 11:08
